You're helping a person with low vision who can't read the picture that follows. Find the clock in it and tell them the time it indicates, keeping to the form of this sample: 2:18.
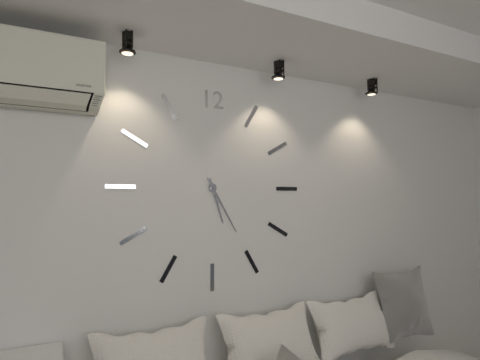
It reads 5:25
